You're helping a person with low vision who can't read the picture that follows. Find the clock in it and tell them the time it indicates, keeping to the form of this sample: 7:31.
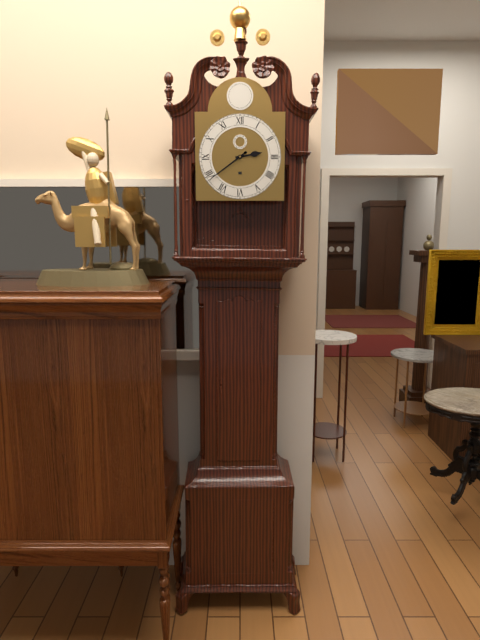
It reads 2:39
